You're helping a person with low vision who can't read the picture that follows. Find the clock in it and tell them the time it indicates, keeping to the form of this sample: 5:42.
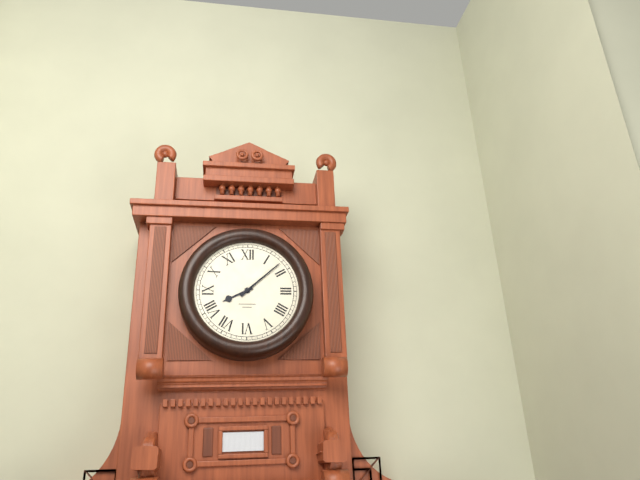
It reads 8:08
